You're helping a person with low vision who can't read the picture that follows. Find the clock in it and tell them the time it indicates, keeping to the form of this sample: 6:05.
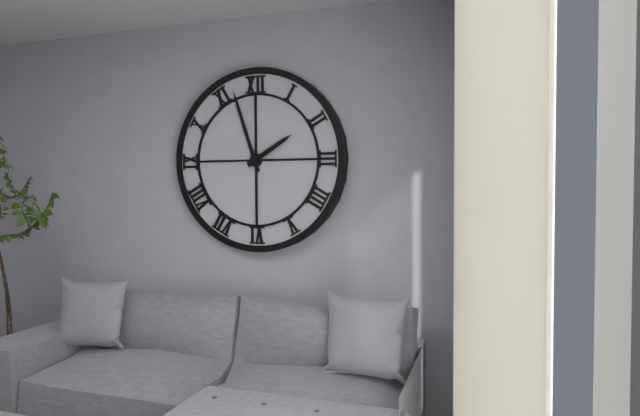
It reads 1:57
